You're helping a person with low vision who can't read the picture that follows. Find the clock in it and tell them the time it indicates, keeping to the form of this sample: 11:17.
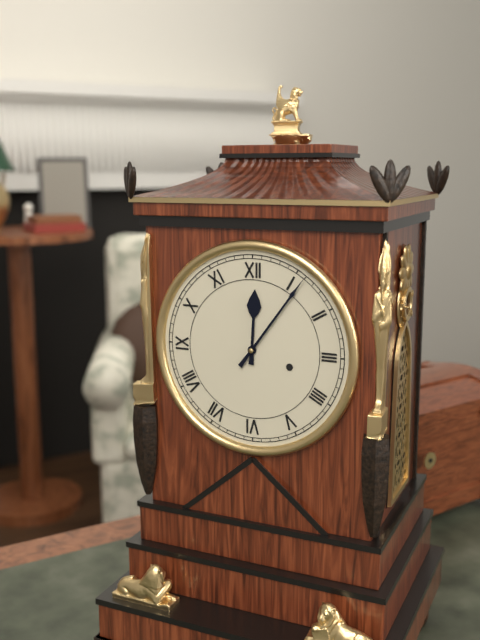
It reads 12:06
